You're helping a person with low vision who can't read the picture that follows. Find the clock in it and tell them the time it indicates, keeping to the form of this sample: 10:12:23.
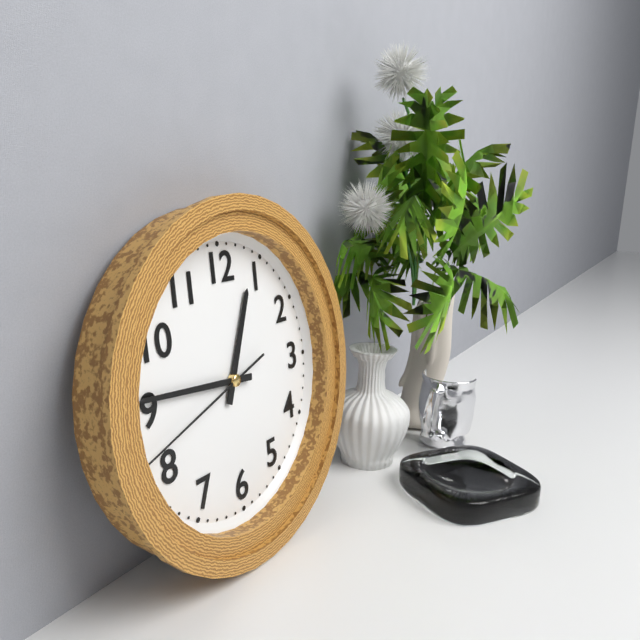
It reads 12:46:42
